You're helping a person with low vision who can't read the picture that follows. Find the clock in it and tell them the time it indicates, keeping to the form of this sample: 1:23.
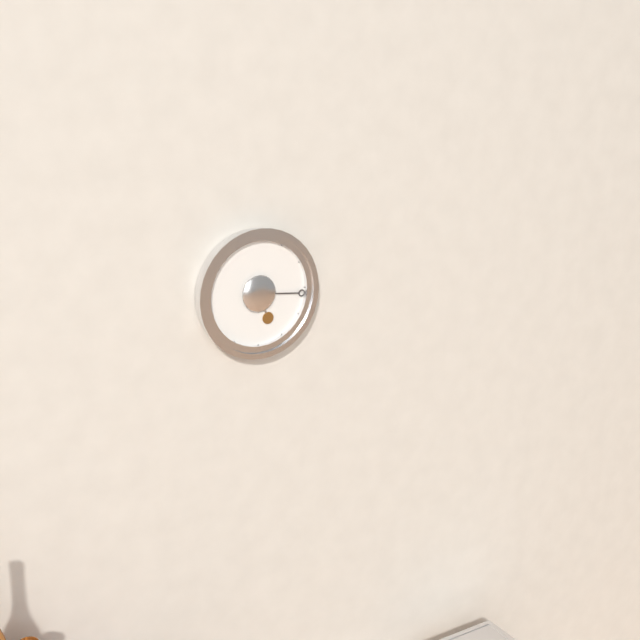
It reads 5:16
